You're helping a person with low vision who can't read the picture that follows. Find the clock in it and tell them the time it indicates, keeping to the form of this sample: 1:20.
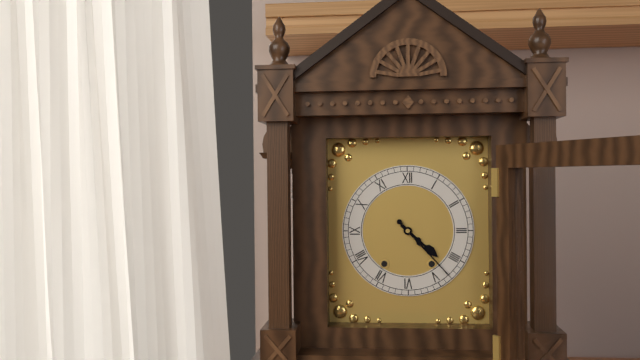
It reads 4:23
